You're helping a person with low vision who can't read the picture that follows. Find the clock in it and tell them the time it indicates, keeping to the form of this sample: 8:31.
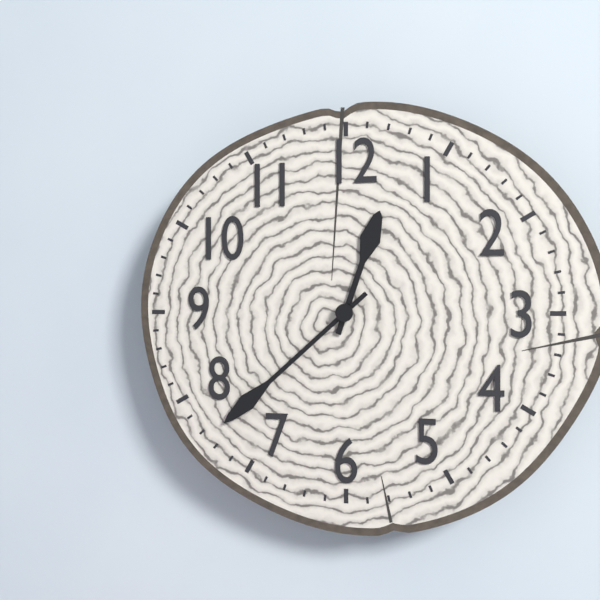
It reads 12:38
